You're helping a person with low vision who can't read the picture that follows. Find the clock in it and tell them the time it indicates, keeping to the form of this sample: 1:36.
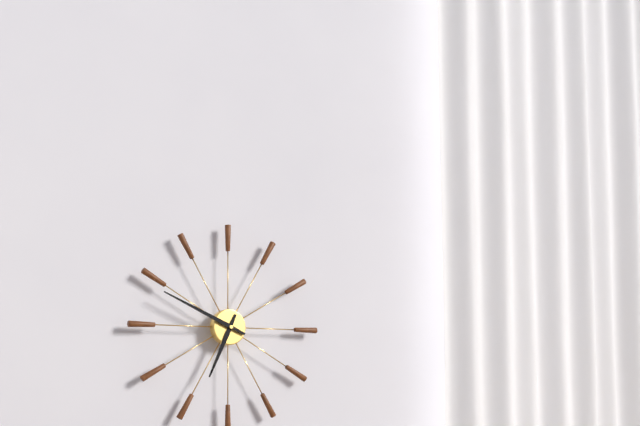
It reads 6:49
